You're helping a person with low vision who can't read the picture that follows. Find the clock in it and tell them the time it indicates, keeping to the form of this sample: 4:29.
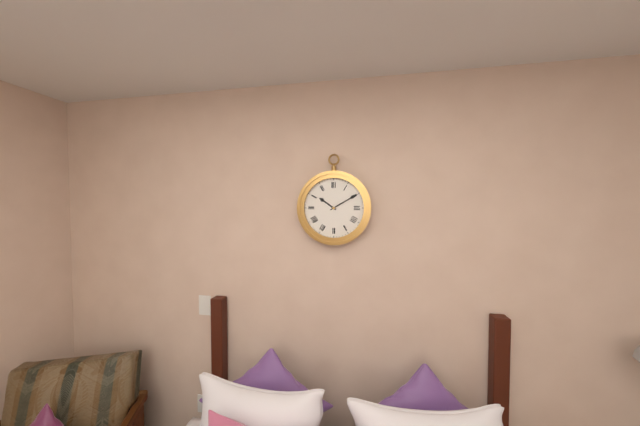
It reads 10:10
